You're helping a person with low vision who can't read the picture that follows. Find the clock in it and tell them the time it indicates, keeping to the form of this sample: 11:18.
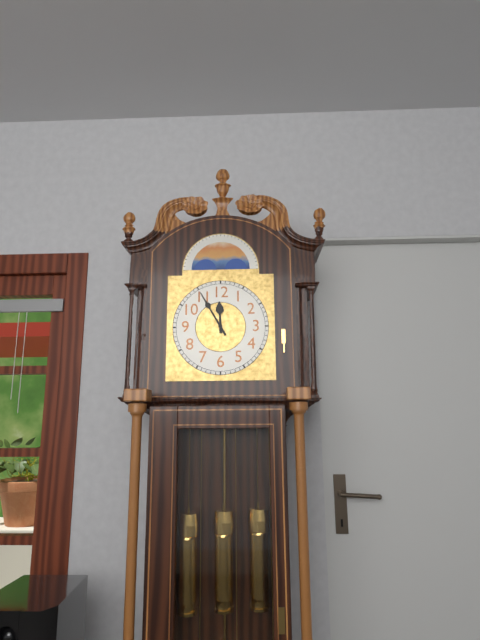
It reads 11:55
